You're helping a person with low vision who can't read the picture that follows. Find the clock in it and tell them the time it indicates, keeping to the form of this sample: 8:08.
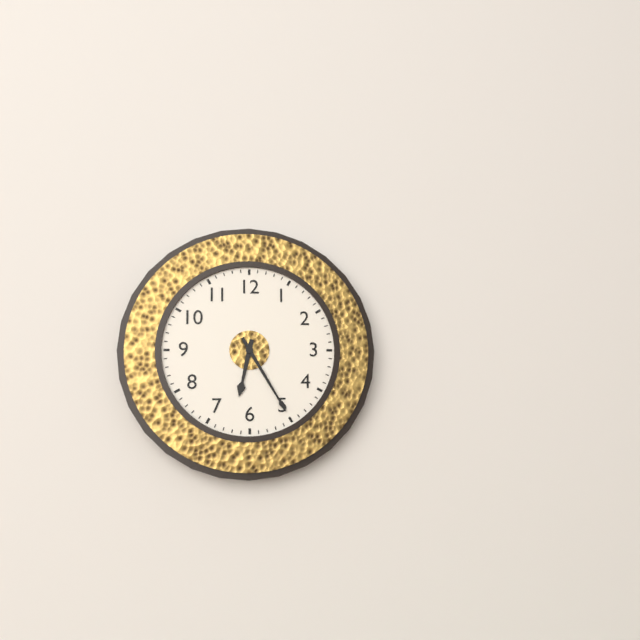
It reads 6:25
